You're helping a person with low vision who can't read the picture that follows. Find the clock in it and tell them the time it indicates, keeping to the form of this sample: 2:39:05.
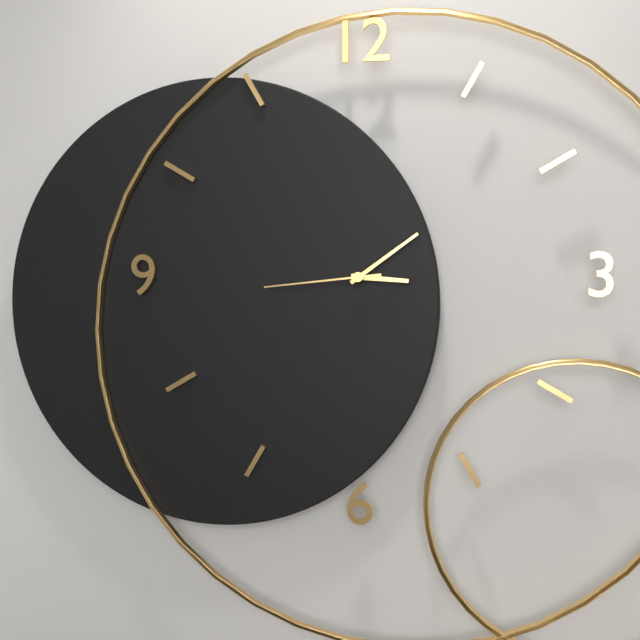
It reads 3:09:44
